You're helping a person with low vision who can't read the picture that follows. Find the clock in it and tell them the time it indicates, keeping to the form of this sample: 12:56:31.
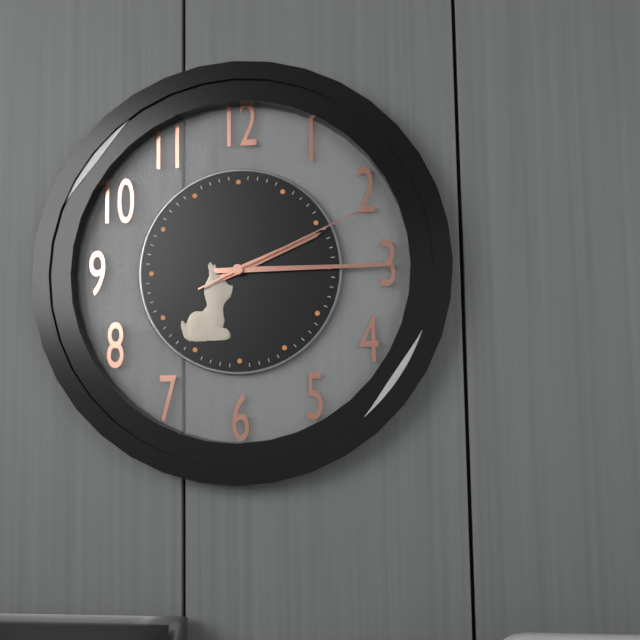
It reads 2:15:11
